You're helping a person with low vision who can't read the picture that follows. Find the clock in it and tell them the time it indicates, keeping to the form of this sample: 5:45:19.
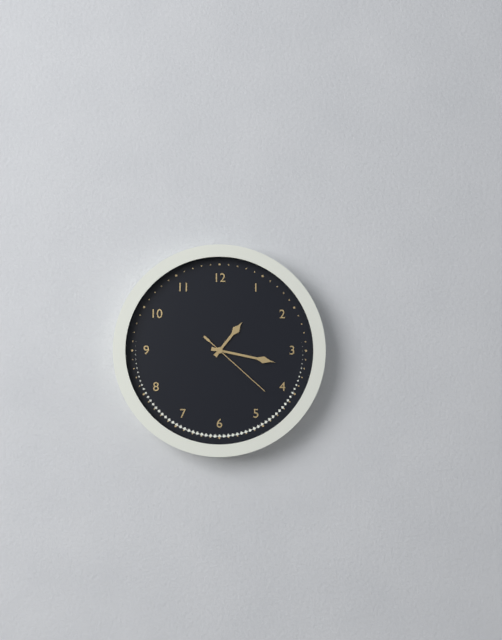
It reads 1:17:22
